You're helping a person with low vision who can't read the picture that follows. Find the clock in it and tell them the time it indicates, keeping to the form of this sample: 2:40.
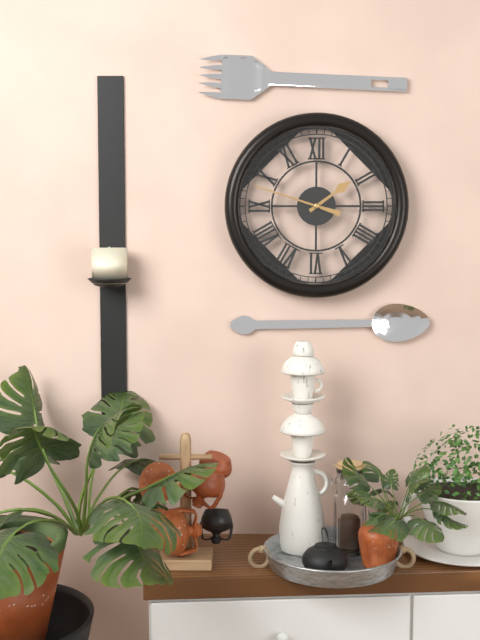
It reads 1:48
